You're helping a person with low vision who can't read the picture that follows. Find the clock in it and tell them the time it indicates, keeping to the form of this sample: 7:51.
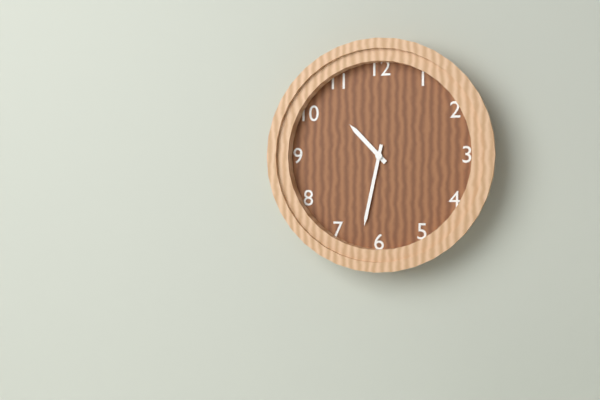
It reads 10:32
